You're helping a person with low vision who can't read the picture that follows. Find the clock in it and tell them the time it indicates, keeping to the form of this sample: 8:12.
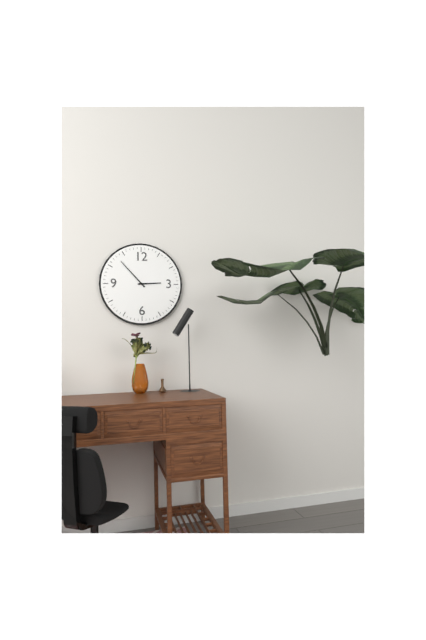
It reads 2:53
